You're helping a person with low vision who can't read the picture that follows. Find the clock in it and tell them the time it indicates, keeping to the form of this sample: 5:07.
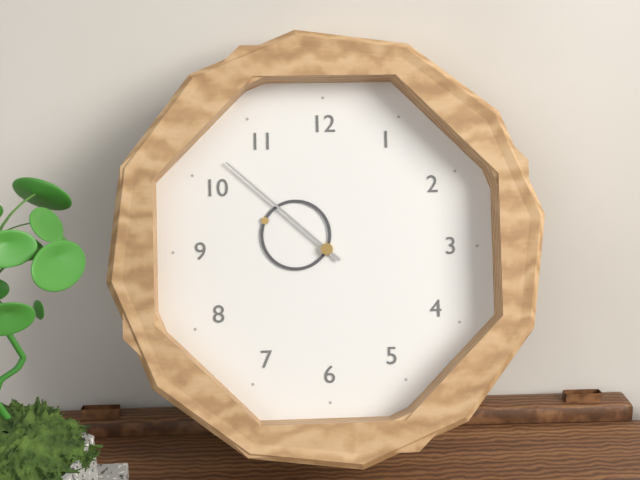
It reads 9:52
